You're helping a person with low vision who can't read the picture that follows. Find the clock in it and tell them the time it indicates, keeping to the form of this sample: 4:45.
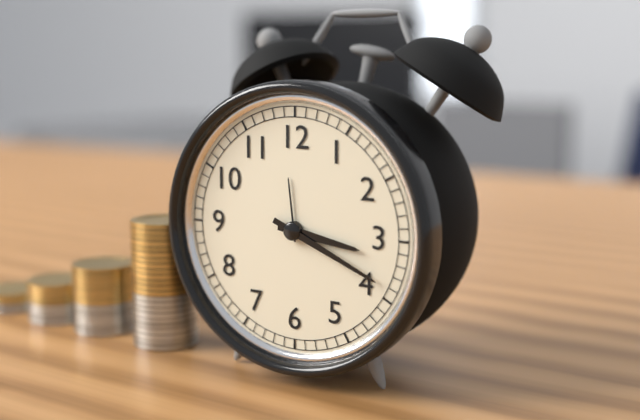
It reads 3:19
